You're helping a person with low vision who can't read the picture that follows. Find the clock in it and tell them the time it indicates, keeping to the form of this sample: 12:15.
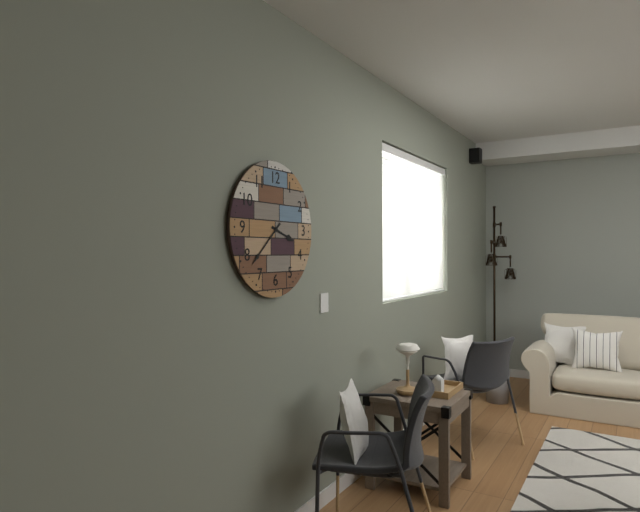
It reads 3:38
